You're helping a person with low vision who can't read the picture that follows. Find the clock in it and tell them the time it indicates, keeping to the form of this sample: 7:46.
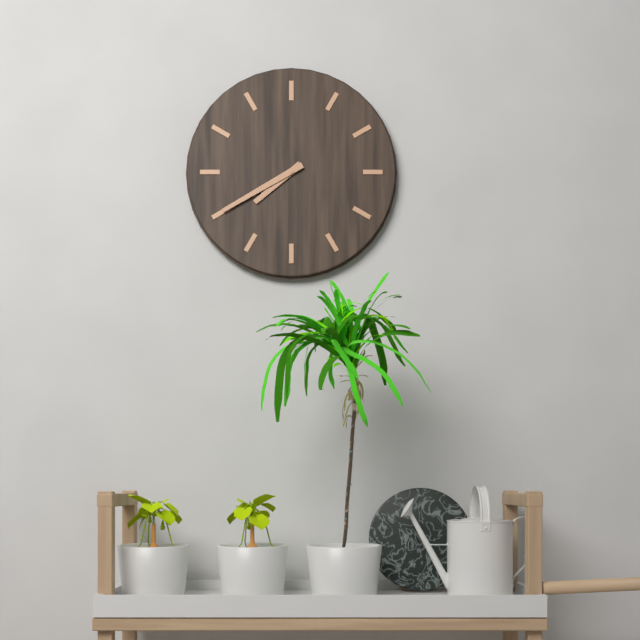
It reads 7:40
